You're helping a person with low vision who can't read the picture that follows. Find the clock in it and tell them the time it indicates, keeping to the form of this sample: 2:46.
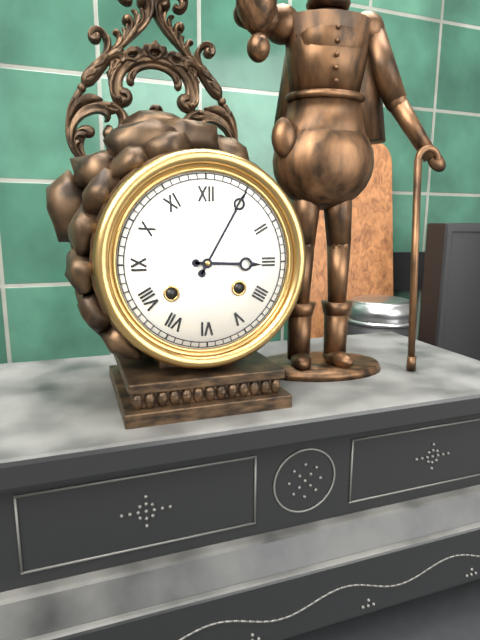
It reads 3:05
